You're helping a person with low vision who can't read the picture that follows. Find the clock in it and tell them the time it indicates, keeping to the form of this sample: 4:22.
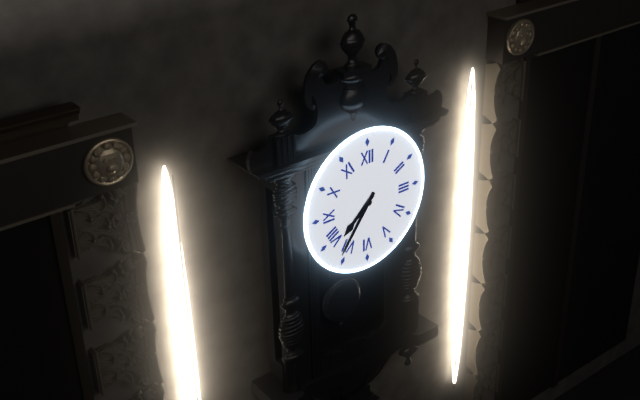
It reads 7:36
